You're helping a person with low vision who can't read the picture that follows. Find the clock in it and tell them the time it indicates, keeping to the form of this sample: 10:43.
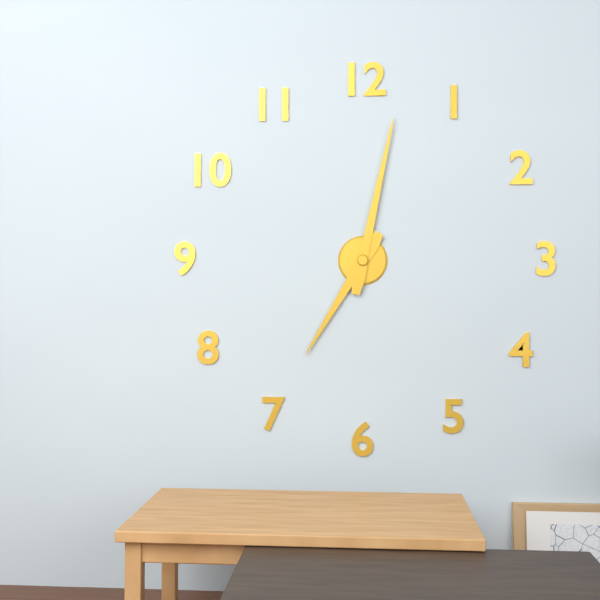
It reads 7:02
